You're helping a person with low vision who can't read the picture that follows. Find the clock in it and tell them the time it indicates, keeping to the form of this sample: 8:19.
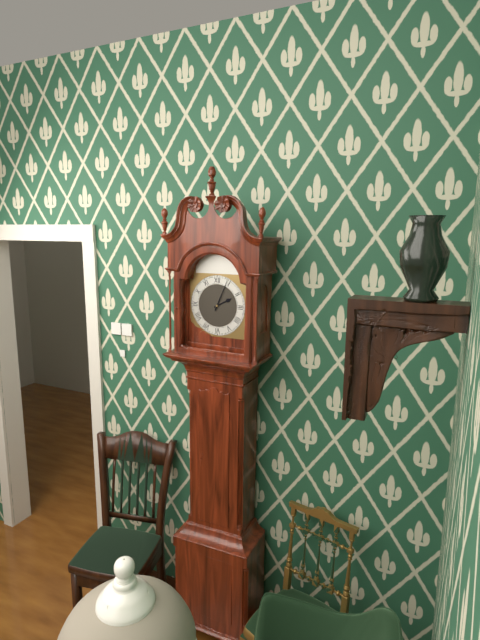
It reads 2:04
